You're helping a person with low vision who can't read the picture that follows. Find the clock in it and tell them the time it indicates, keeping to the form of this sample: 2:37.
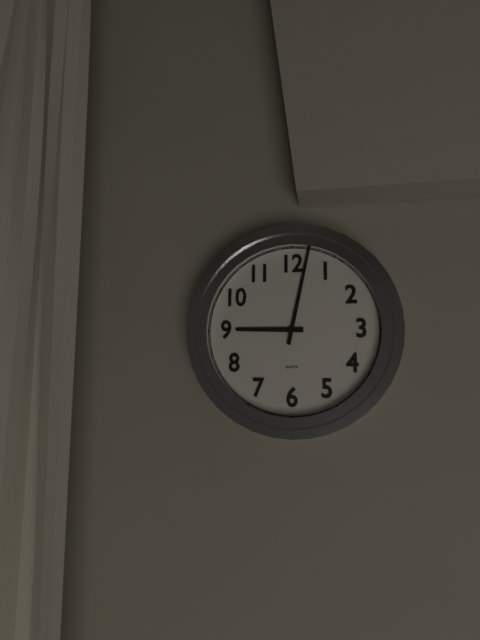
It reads 9:02
